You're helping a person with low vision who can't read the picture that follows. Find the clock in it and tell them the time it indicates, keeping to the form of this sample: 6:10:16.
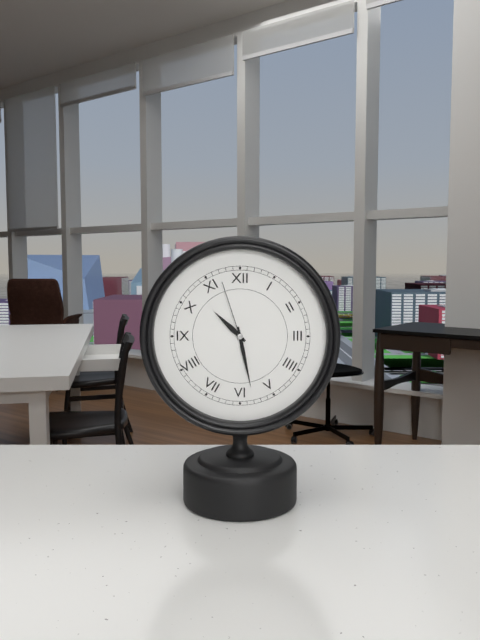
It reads 10:28:57
